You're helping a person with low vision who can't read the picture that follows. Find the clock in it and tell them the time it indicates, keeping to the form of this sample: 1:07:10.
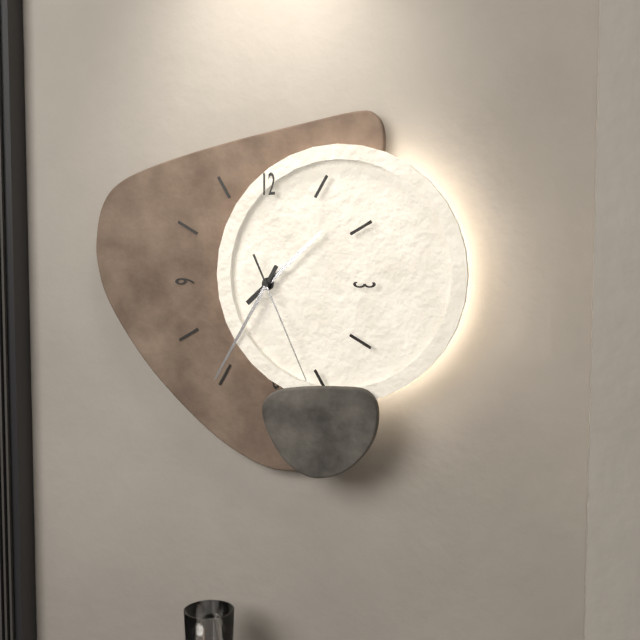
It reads 1:35:26
